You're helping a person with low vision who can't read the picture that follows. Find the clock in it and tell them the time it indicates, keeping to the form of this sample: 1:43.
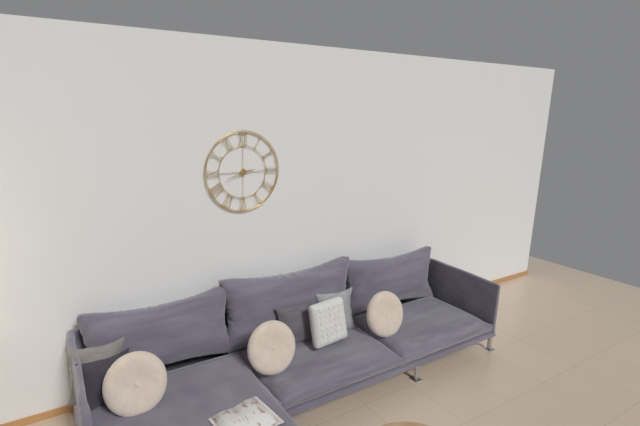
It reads 2:42
